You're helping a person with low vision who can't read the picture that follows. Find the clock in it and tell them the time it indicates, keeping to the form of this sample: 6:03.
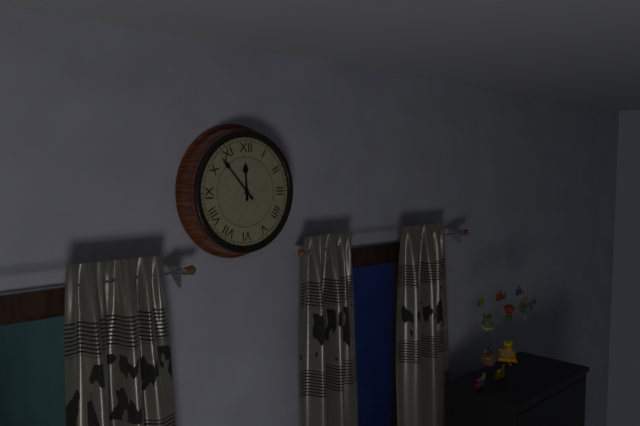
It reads 11:53
